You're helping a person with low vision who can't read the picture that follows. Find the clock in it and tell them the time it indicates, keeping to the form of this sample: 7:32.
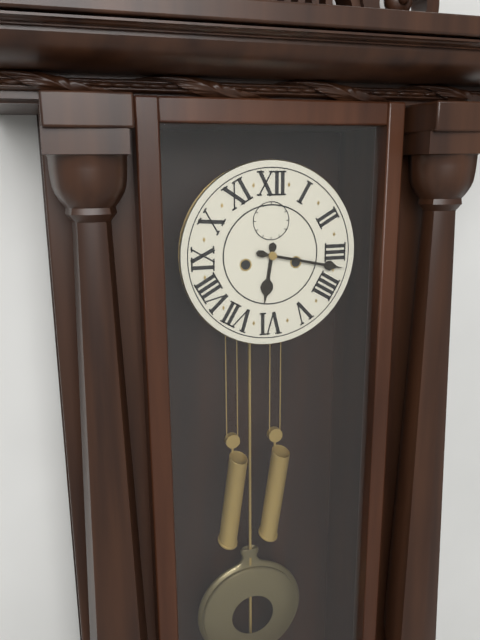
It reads 6:17
